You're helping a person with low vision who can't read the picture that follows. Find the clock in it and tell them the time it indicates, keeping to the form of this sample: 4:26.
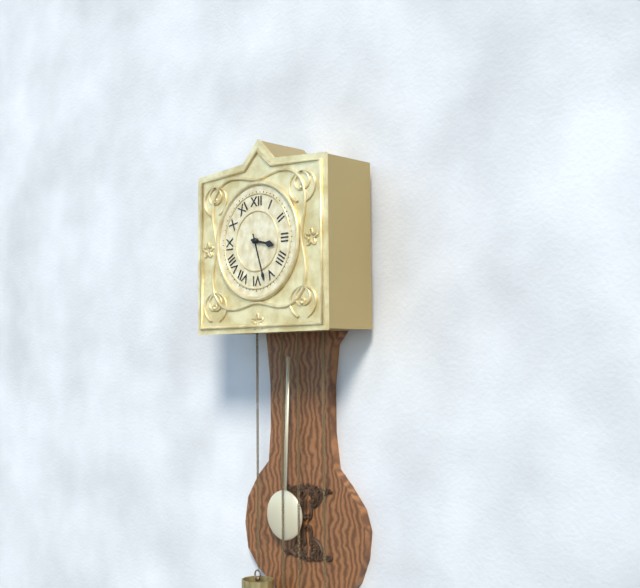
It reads 3:27
